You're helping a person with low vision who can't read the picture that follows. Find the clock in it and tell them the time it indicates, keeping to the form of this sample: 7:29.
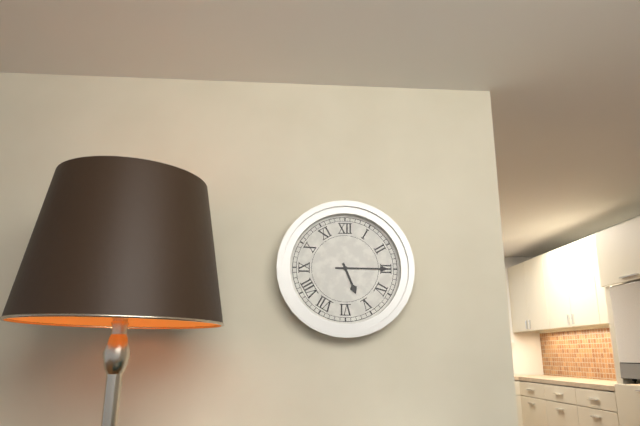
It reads 5:15
